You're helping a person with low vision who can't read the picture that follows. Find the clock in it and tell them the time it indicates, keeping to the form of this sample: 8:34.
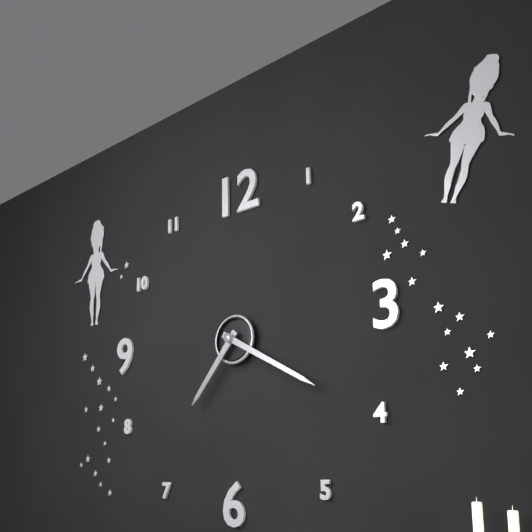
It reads 7:20
